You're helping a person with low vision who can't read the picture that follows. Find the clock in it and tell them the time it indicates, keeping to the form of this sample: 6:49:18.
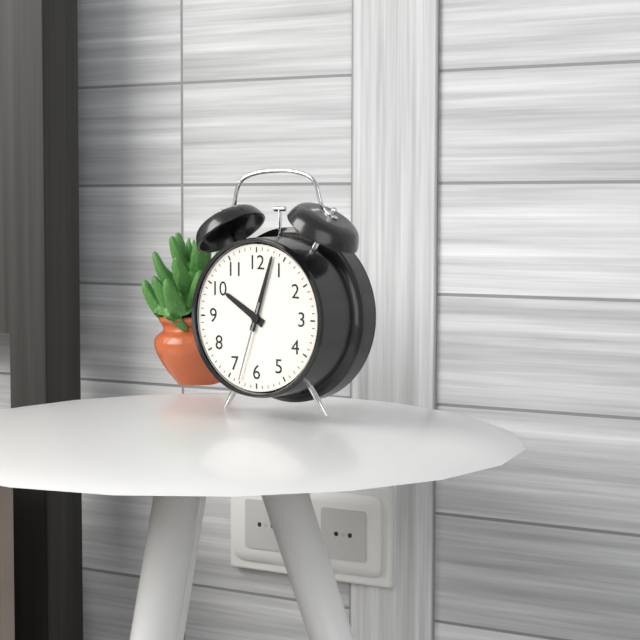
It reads 10:03:33
